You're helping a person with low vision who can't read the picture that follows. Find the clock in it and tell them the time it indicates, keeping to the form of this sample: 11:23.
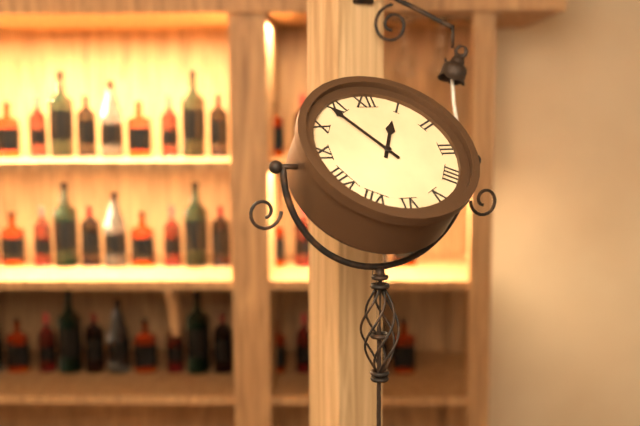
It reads 12:54
